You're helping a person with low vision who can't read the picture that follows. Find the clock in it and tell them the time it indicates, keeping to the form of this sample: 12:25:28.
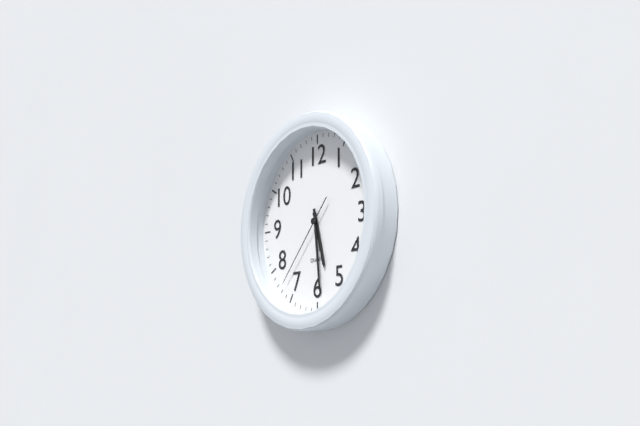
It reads 5:29:37
